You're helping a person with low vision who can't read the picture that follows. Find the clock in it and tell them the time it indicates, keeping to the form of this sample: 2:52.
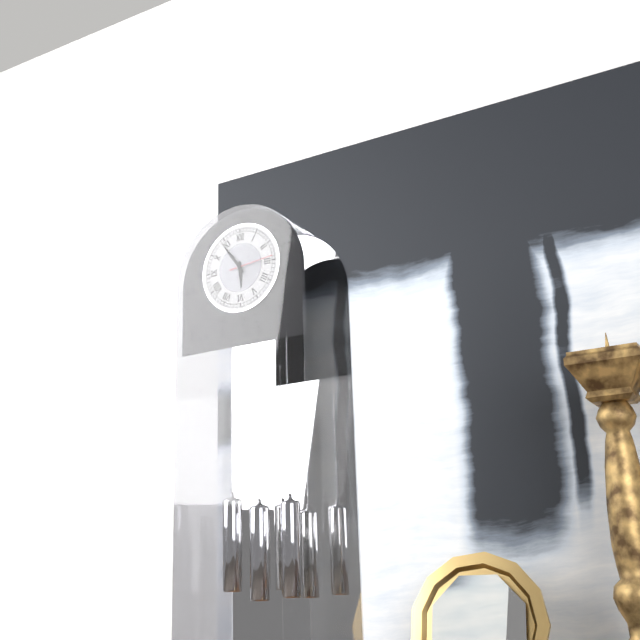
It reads 5:54
